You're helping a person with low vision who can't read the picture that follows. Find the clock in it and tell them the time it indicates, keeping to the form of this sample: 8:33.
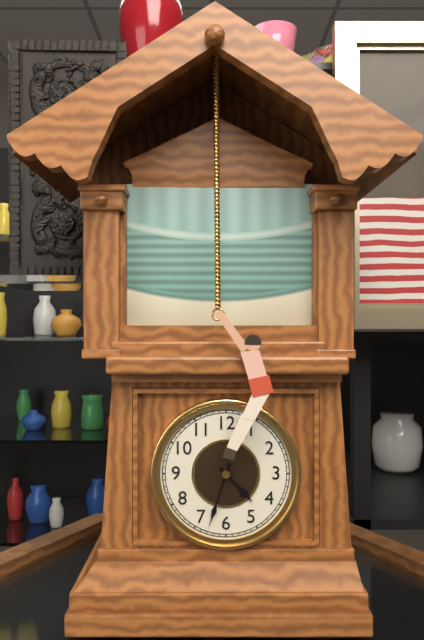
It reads 4:33
